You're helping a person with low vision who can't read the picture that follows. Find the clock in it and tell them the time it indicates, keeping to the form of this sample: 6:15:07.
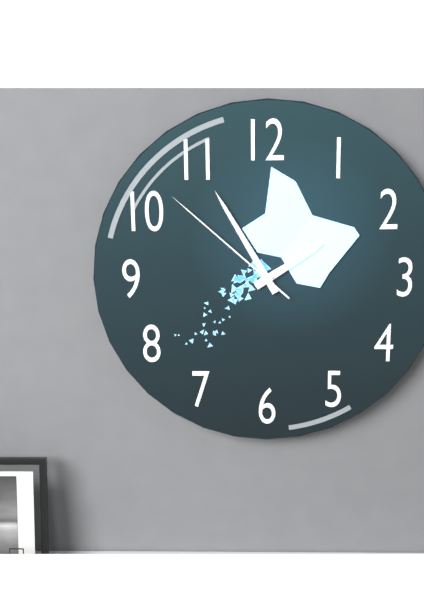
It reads 1:55:52
